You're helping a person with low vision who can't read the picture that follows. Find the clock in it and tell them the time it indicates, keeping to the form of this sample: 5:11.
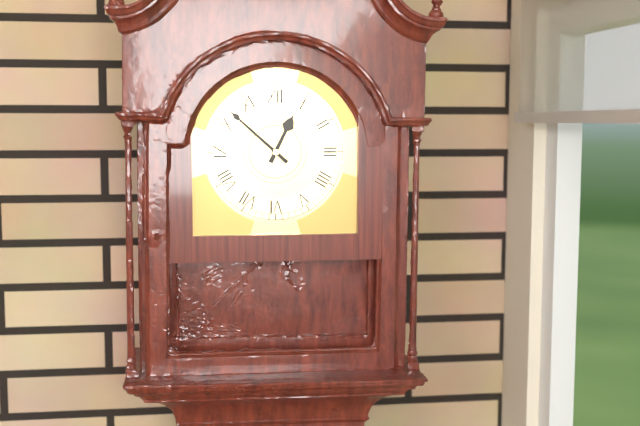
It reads 12:52
